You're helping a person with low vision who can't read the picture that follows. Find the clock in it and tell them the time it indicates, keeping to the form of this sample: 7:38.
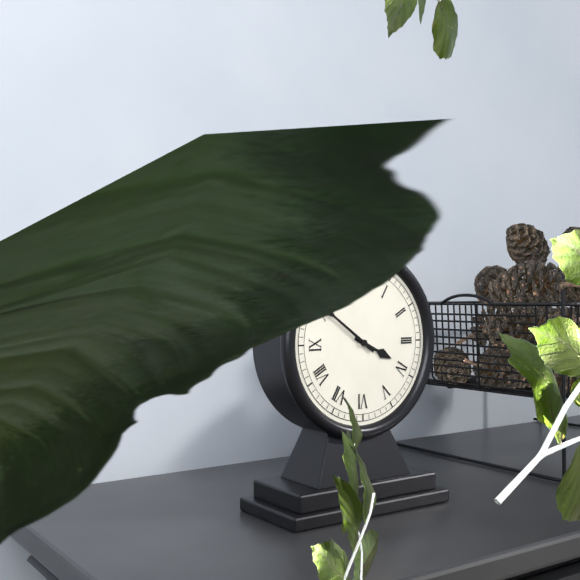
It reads 3:51
